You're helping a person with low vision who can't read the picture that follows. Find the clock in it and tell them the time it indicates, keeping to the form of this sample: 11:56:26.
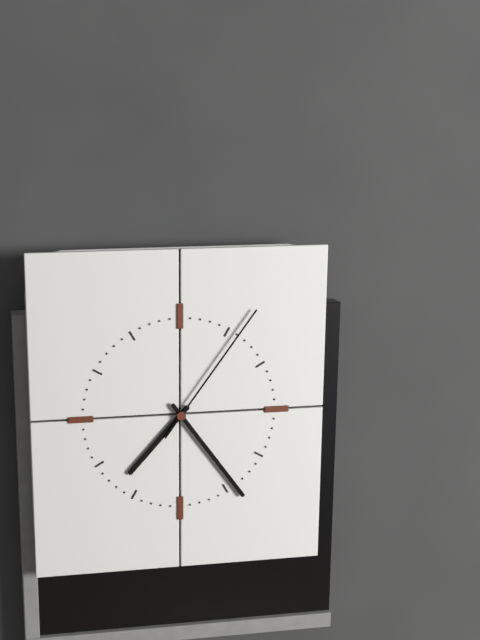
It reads 7:24:06
